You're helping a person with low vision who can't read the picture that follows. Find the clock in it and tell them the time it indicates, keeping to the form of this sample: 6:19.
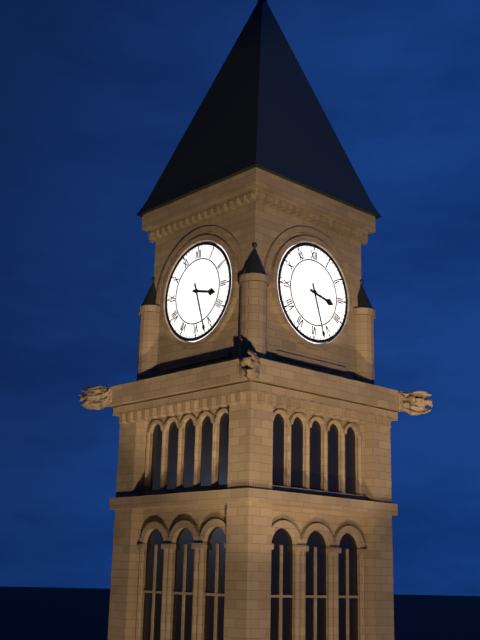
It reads 3:27
